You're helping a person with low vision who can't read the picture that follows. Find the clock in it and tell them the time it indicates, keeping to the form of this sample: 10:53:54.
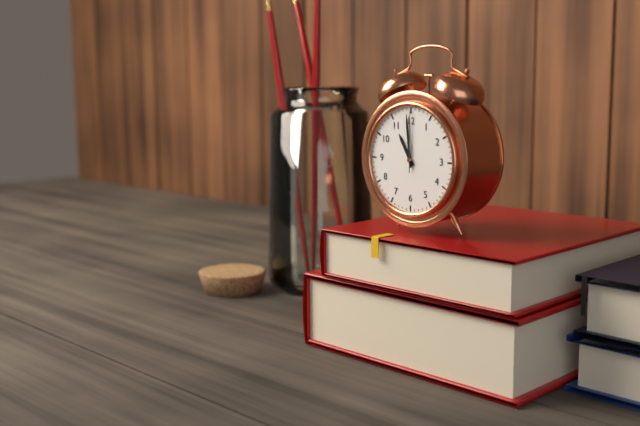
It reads 10:59:00
